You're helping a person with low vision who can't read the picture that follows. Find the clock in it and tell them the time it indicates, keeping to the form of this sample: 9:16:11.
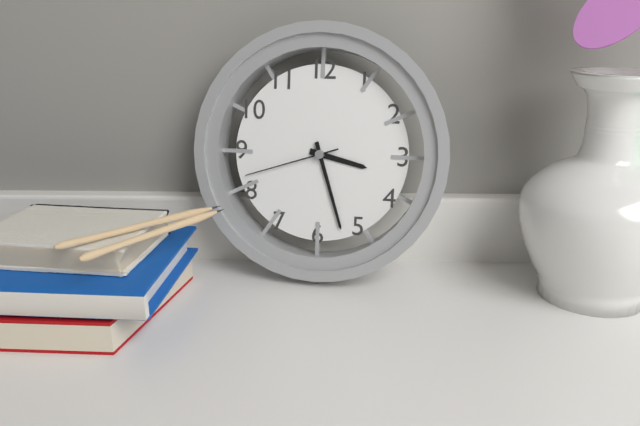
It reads 3:27:42
